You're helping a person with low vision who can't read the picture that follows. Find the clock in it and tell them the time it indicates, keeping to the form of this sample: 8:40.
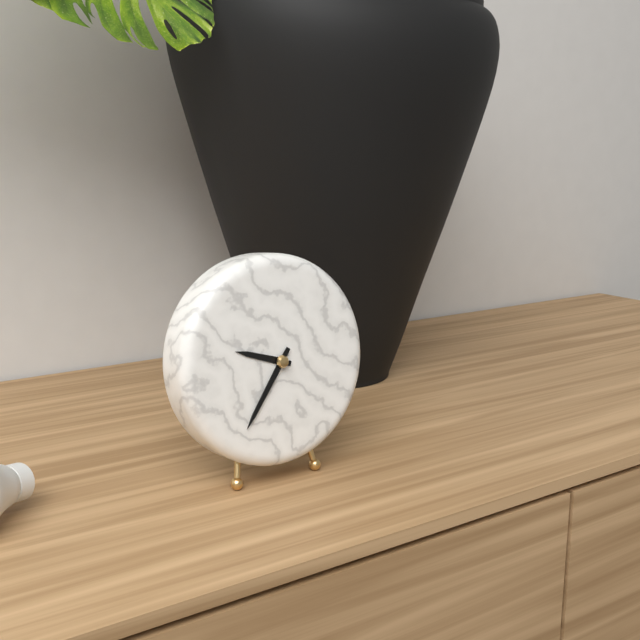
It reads 9:36
